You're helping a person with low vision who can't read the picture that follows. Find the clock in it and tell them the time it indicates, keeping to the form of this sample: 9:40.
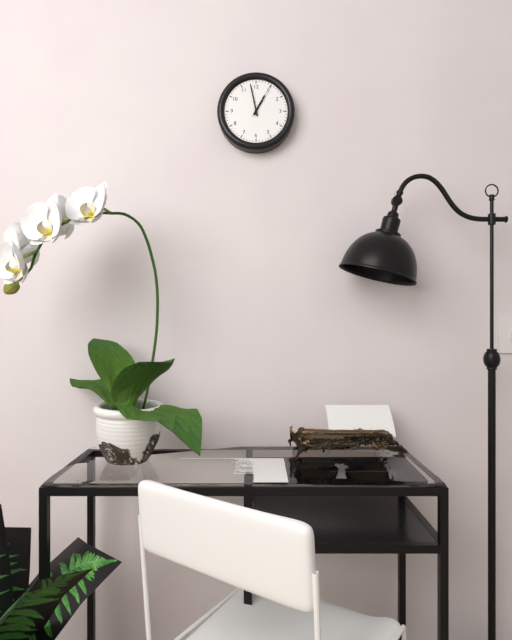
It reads 12:58
